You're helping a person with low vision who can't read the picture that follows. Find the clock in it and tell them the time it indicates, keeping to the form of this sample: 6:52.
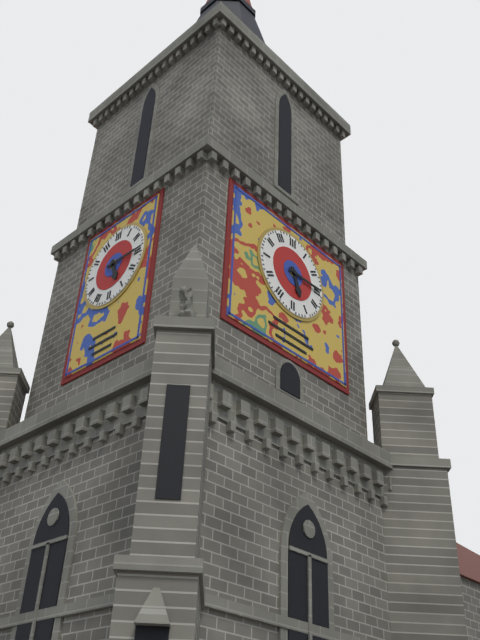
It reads 5:15
